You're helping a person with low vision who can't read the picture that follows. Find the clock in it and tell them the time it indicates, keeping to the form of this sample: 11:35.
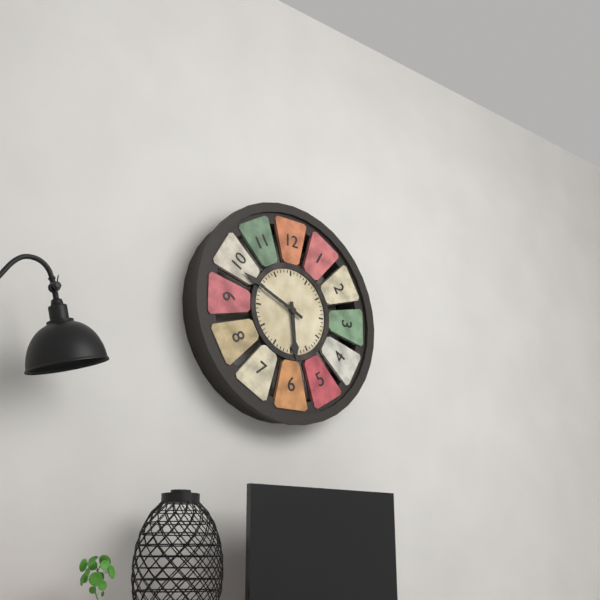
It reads 5:49
